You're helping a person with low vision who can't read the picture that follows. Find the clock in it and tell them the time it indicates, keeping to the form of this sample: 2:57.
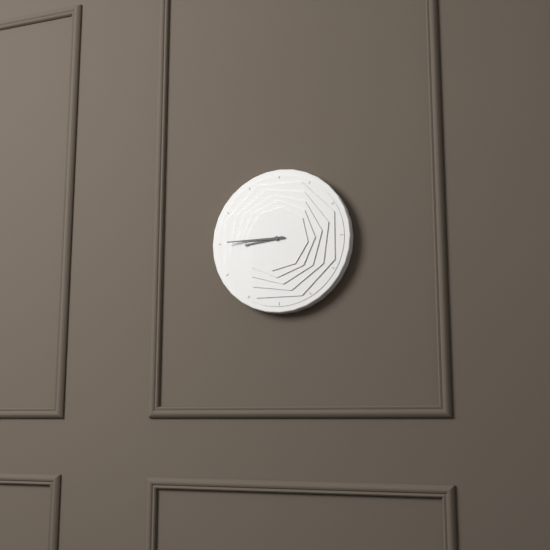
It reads 8:45
